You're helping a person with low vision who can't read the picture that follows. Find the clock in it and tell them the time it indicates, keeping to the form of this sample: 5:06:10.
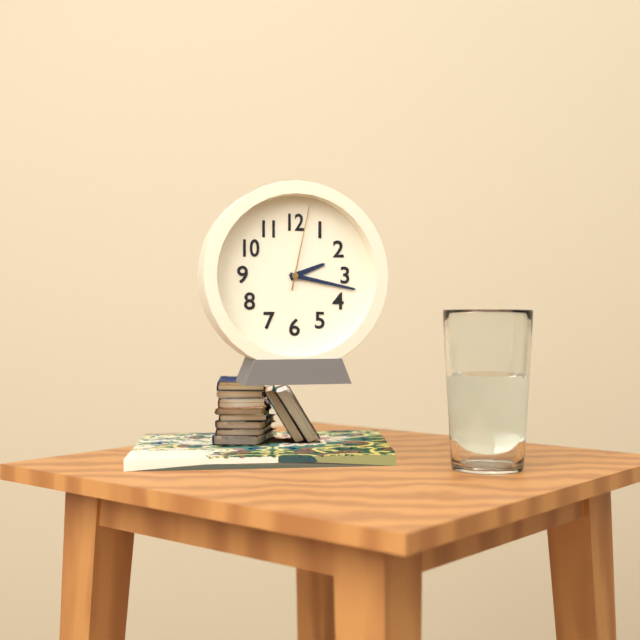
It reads 2:17:02
